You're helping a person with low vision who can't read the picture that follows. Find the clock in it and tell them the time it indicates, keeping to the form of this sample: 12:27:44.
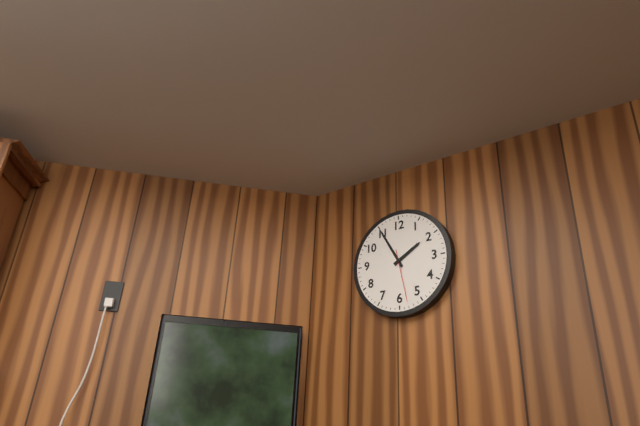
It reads 1:55:28
